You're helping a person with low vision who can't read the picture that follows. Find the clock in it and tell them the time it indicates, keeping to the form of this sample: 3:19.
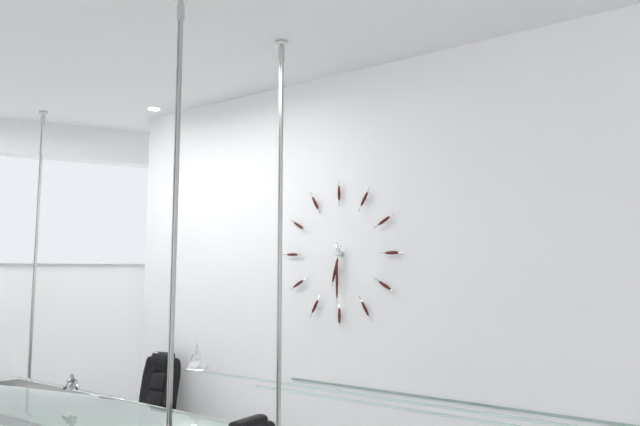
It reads 6:30
